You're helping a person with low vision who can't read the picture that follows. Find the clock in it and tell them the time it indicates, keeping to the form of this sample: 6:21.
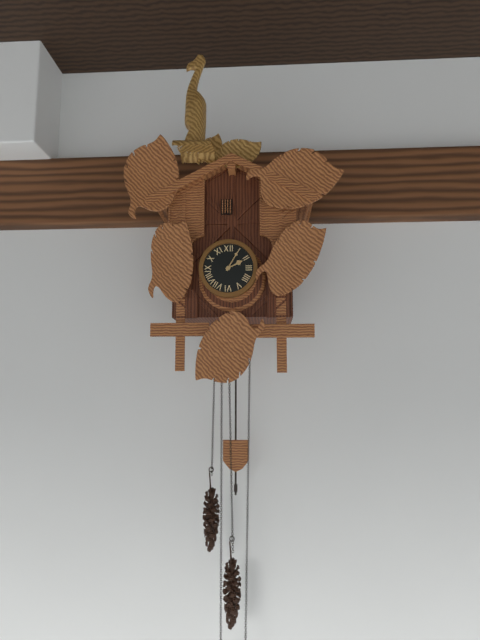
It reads 2:05
